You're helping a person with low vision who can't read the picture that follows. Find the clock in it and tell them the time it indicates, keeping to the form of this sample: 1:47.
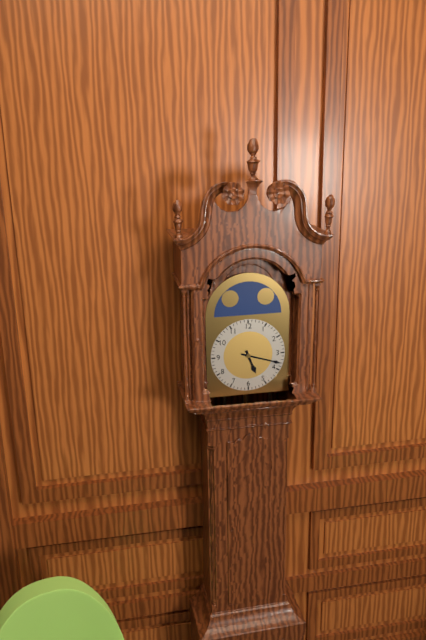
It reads 5:18
